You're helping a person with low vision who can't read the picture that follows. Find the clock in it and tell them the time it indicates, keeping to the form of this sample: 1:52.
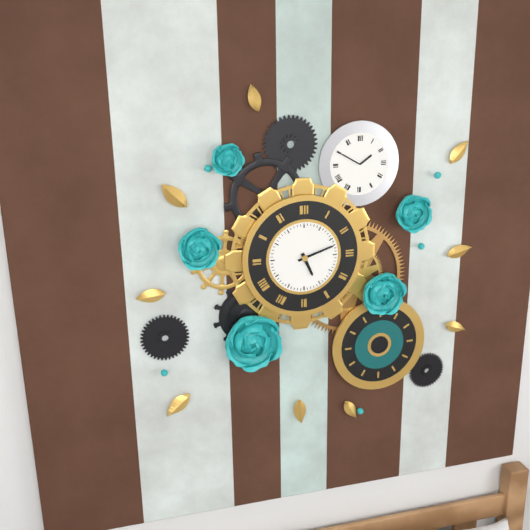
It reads 5:12
